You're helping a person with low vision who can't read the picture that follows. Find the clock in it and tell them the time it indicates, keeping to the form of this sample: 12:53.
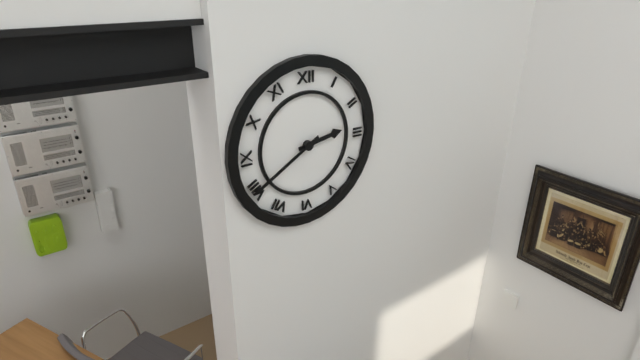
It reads 2:40
